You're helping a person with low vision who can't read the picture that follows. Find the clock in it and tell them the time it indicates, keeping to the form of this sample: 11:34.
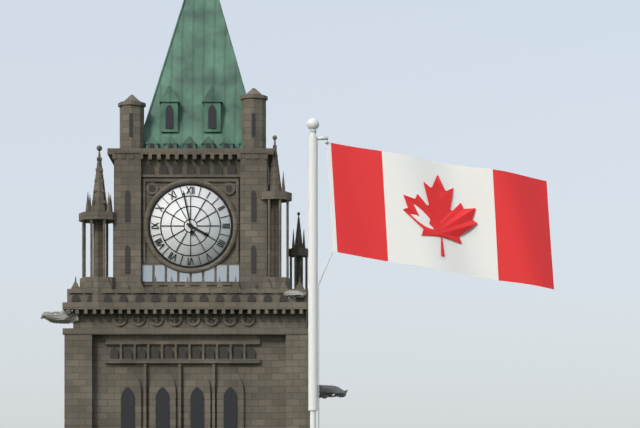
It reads 3:58
